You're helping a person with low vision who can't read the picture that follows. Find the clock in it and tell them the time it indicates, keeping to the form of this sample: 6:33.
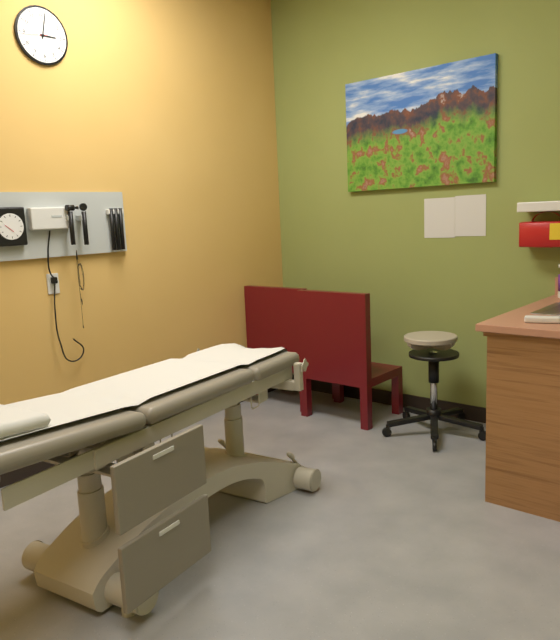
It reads 3:02
